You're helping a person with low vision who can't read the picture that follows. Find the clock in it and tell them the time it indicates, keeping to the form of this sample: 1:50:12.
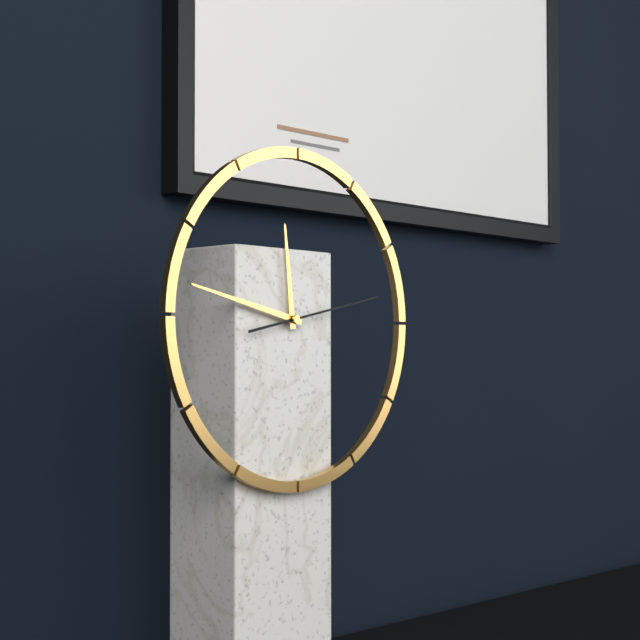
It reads 11:47:13
